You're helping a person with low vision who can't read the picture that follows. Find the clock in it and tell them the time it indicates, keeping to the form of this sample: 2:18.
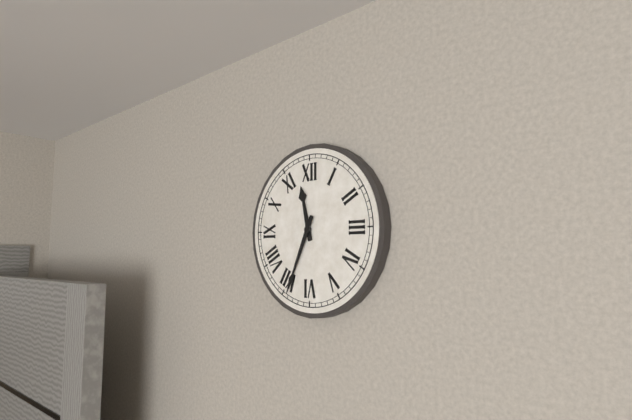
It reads 11:34
